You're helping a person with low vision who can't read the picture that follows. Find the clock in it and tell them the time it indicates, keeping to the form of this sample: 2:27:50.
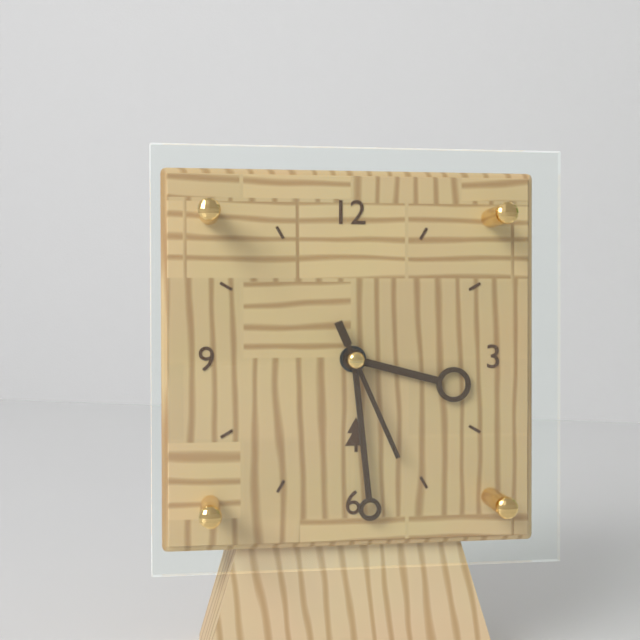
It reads 3:29:26
